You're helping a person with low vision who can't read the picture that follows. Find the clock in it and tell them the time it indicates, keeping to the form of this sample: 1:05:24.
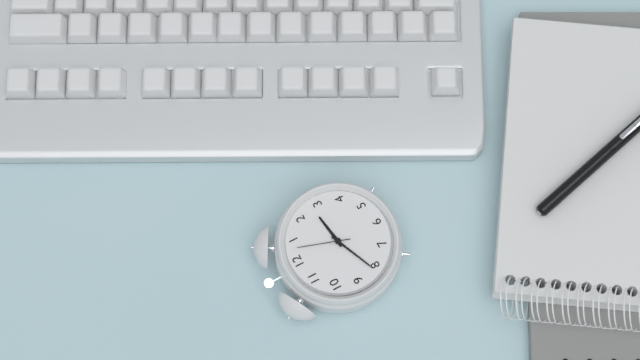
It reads 2:41:03
